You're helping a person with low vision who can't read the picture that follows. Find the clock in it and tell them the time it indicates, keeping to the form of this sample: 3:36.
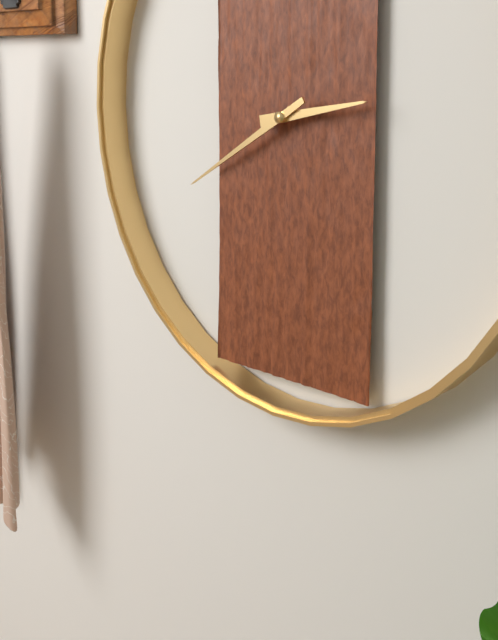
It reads 2:40
